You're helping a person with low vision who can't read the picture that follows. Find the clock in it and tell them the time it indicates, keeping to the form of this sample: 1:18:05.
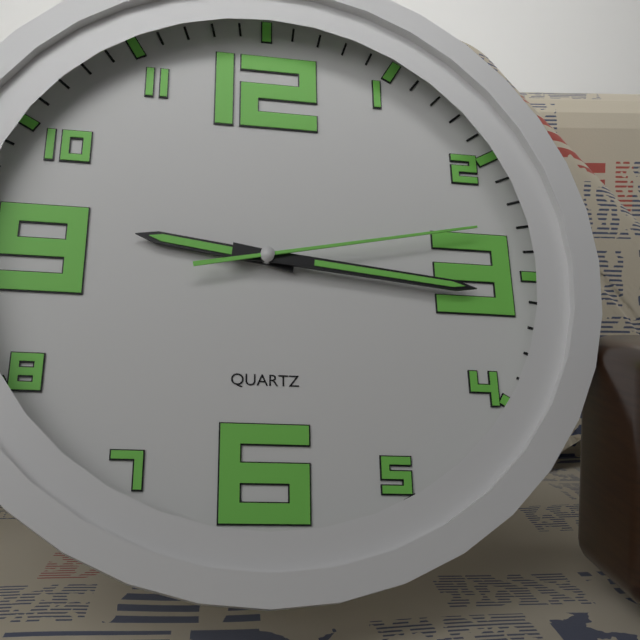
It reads 9:16:13
